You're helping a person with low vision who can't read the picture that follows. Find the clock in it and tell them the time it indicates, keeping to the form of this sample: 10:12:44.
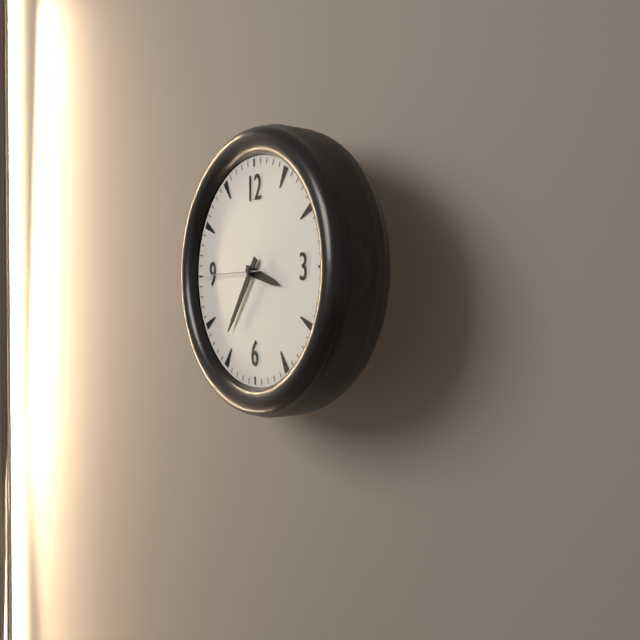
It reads 3:36:45
